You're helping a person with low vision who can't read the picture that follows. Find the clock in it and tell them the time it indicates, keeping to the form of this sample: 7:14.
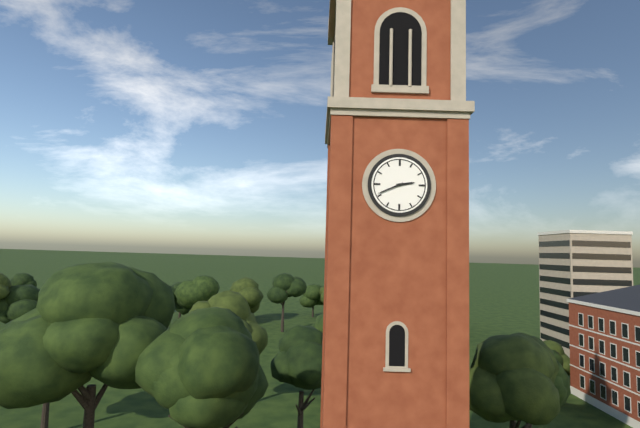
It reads 2:41
